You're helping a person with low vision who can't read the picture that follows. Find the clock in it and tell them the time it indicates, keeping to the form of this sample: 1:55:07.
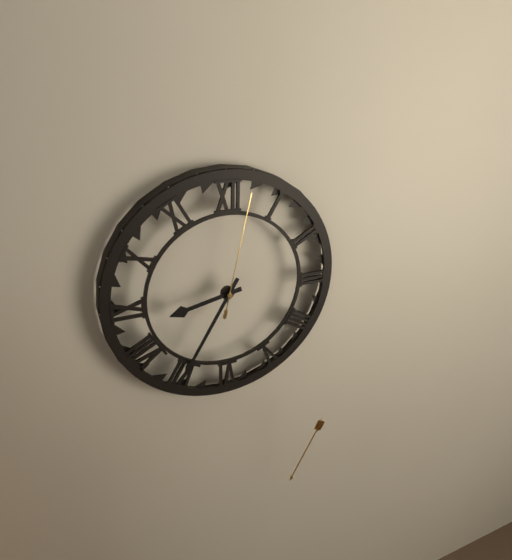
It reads 8:35:02
